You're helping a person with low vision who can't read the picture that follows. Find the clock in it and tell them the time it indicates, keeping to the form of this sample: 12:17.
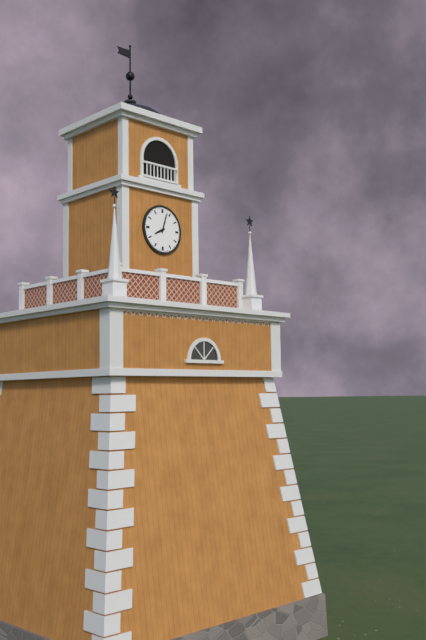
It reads 8:03
